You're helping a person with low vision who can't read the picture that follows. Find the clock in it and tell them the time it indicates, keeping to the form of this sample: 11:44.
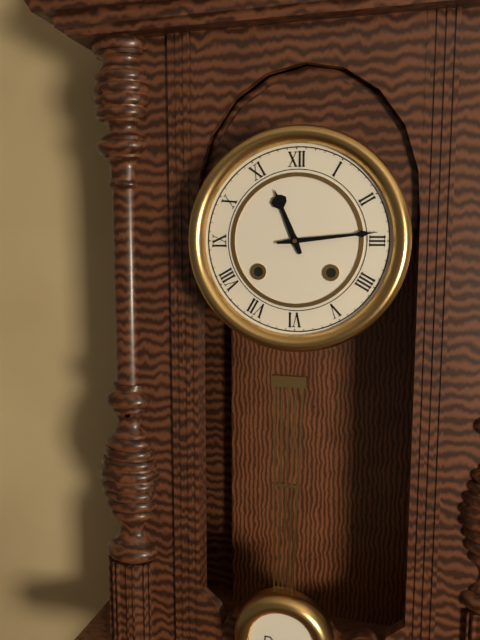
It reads 11:14
